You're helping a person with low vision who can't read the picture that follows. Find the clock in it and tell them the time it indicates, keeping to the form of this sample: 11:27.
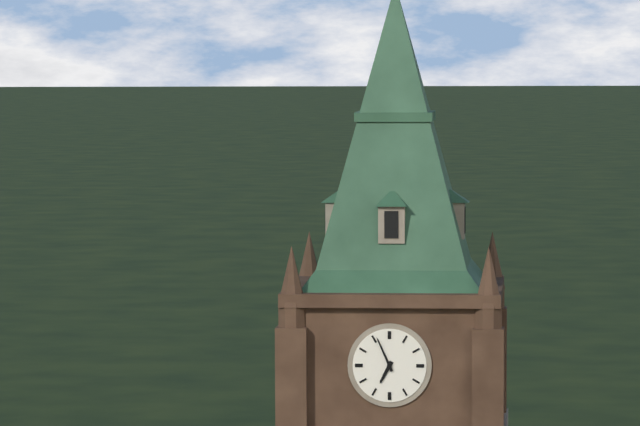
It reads 6:56
